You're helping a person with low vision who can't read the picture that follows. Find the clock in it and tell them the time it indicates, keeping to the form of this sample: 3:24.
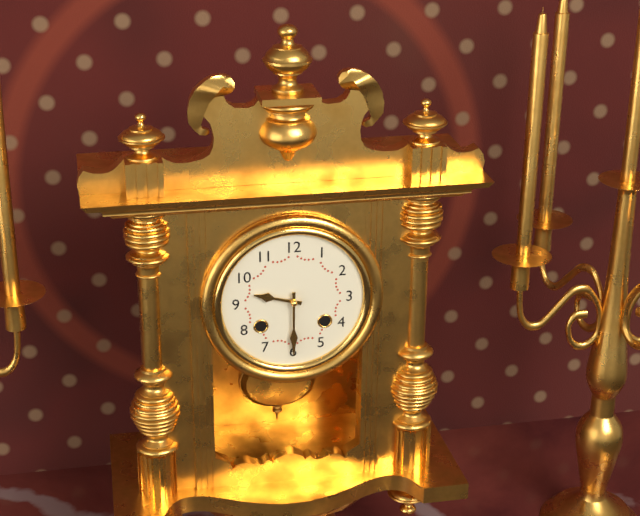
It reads 9:30
